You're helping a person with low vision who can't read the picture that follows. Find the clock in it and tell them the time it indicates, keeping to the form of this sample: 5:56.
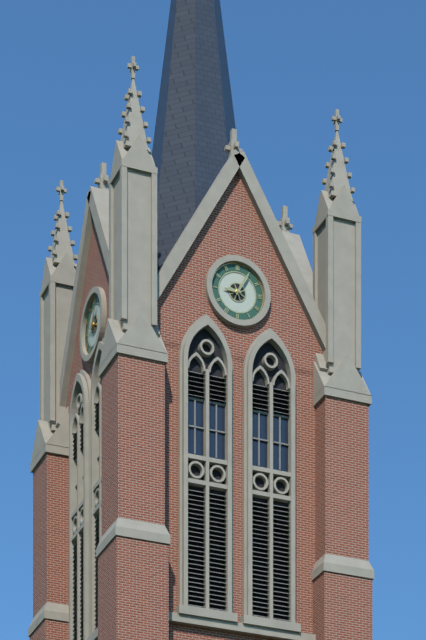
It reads 9:05
